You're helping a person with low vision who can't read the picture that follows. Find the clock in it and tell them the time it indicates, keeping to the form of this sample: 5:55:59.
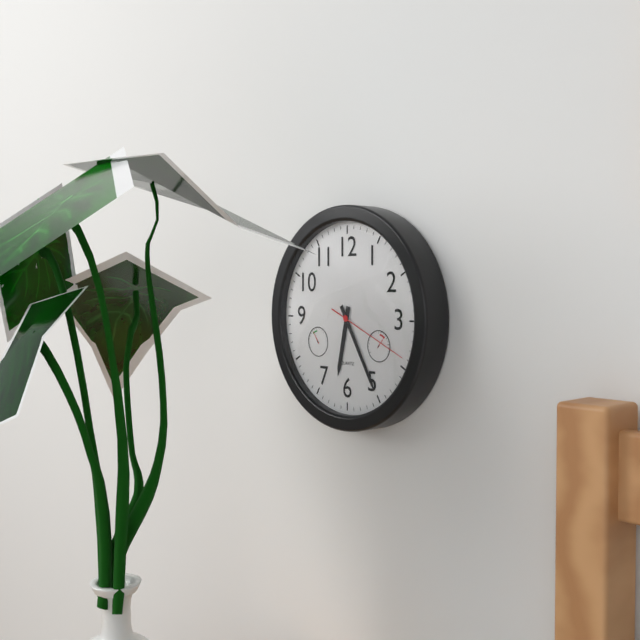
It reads 6:25:19
